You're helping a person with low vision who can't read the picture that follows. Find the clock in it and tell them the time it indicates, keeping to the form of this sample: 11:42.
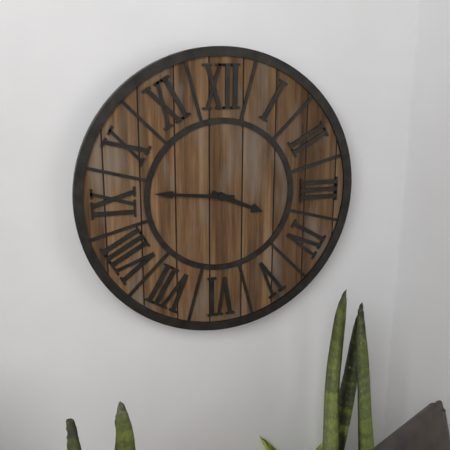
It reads 3:46
